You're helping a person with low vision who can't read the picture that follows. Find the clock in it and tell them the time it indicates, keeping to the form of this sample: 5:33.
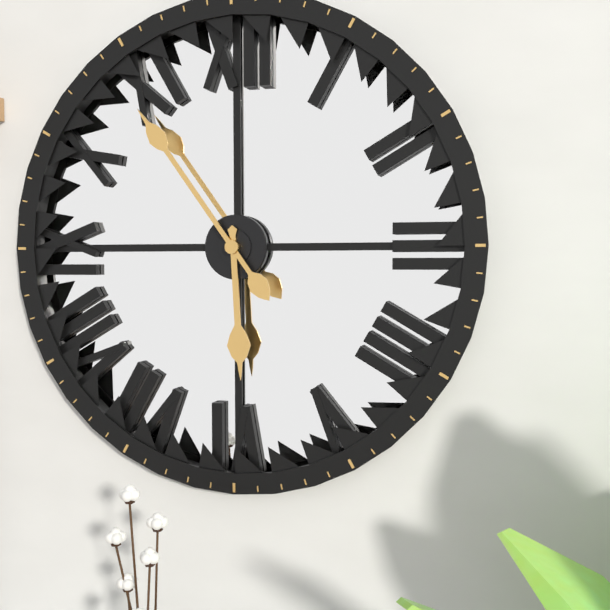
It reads 5:54
